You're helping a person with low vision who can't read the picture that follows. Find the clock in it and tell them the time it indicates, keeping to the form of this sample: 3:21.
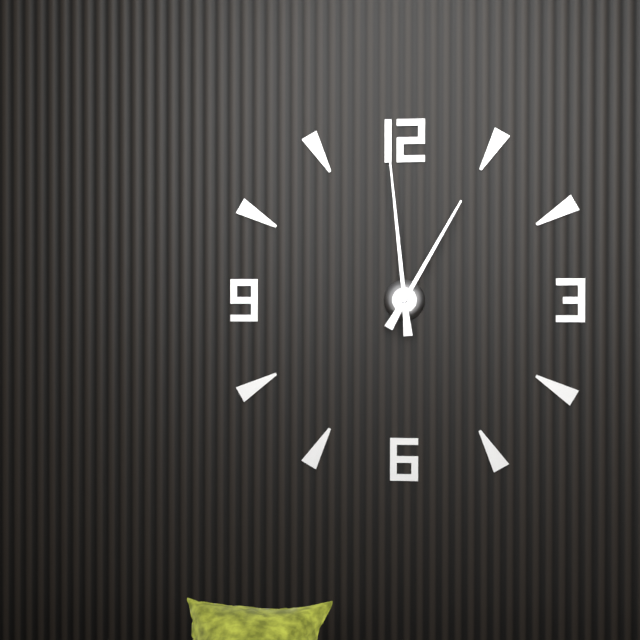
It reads 12:59
